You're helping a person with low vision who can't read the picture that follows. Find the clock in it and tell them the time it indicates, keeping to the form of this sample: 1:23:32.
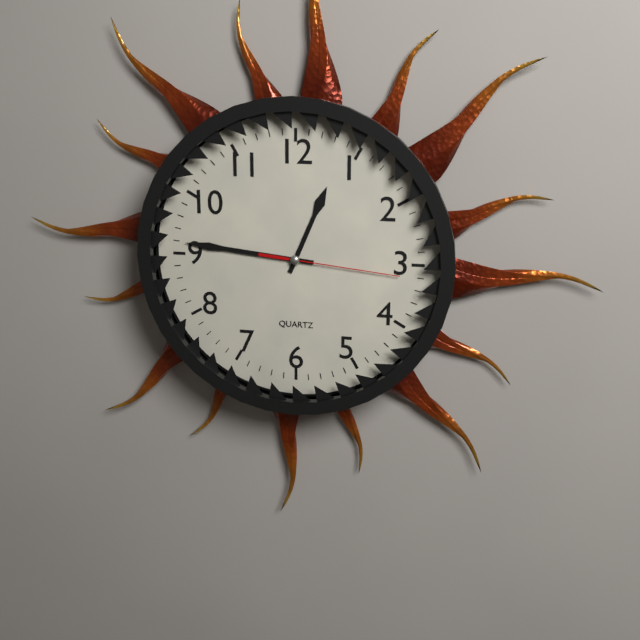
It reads 12:46:16
